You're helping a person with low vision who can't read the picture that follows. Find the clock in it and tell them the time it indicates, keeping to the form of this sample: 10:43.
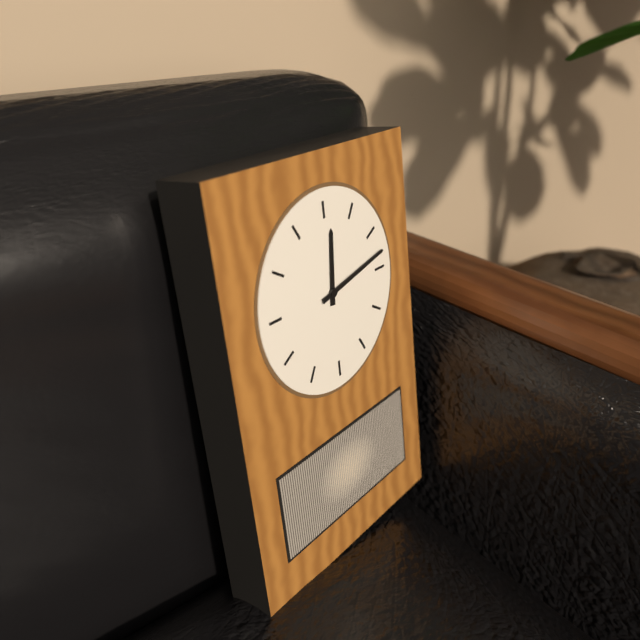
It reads 12:13
